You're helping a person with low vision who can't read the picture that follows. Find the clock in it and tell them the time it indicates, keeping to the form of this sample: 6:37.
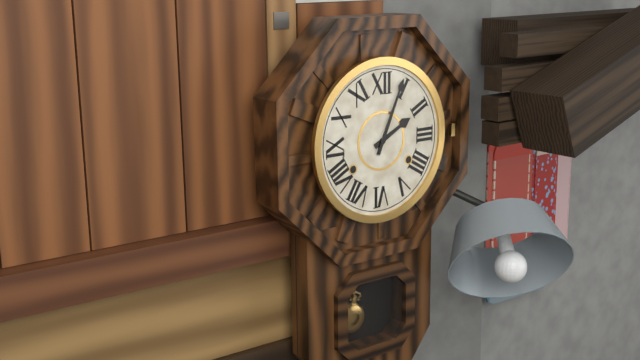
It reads 2:04
